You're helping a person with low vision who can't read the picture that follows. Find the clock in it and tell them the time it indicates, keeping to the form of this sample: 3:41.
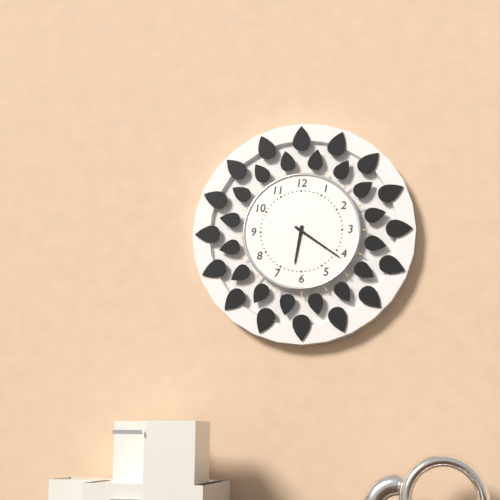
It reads 6:21
